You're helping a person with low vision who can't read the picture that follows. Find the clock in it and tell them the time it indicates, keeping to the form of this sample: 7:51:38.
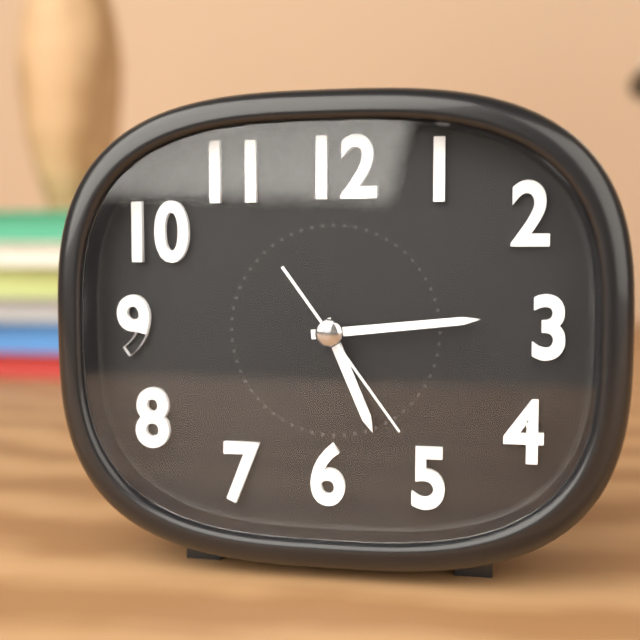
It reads 5:14:24
